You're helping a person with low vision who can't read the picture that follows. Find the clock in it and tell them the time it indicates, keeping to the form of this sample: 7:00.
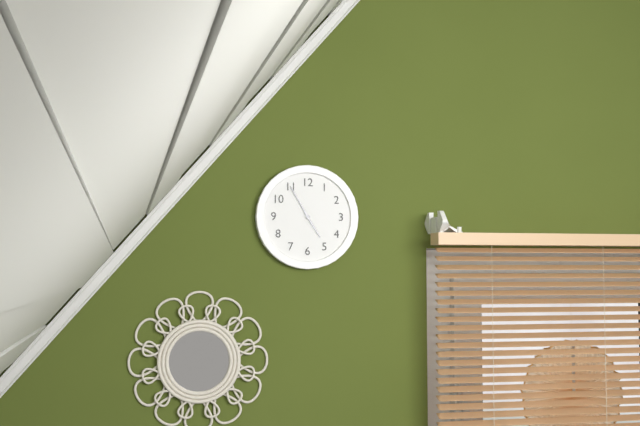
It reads 4:55
